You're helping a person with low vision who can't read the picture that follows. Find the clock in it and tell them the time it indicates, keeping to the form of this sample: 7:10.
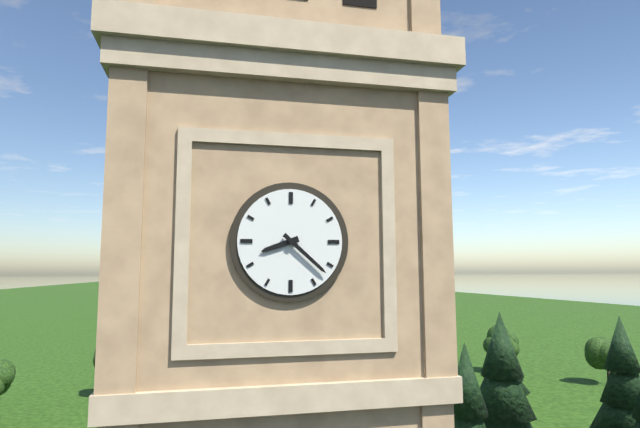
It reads 8:22
